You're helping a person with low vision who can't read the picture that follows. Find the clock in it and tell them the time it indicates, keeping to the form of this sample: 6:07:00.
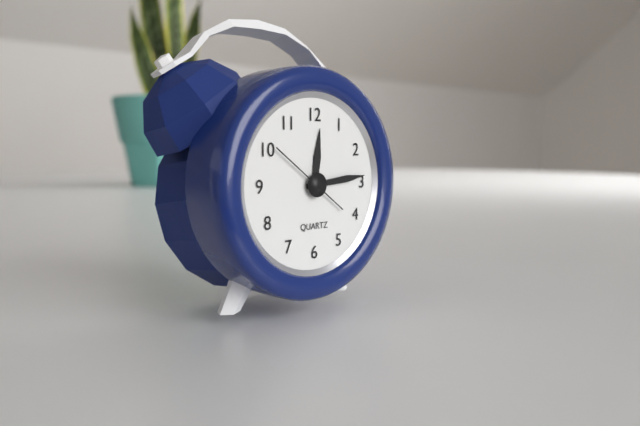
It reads 12:14:51
